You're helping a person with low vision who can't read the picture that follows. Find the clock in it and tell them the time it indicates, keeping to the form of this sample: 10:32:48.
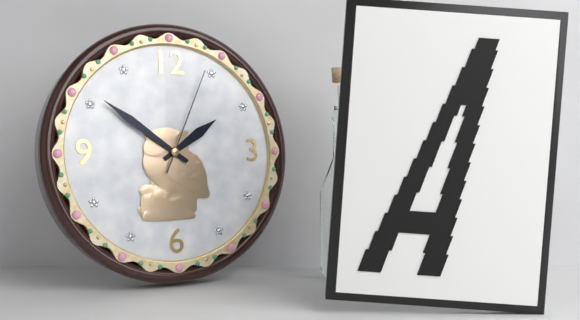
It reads 1:51:04
